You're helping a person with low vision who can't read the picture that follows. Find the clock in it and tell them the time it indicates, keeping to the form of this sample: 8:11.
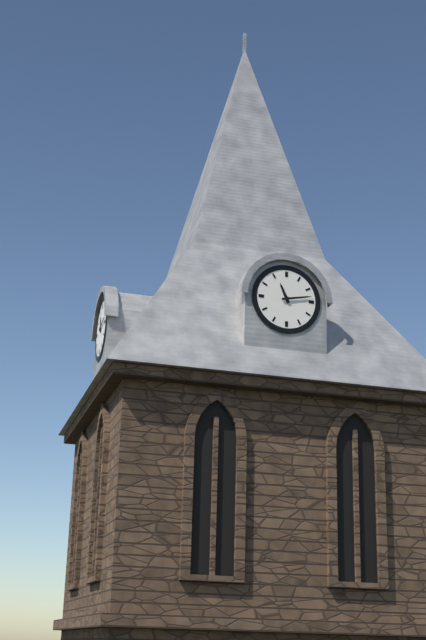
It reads 11:13
